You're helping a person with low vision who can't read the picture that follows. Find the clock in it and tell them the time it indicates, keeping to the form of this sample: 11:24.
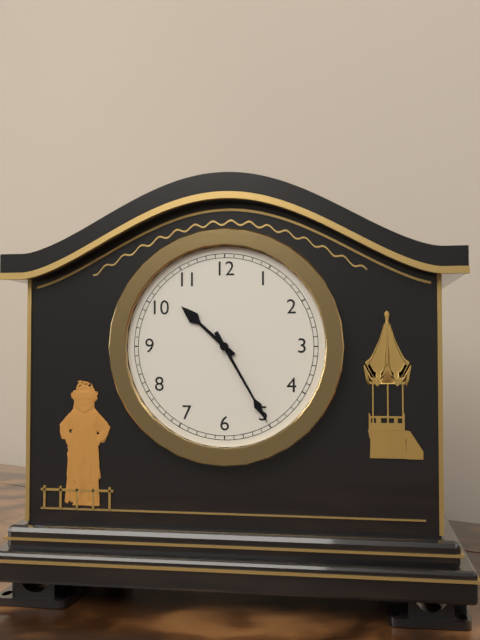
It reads 10:25
